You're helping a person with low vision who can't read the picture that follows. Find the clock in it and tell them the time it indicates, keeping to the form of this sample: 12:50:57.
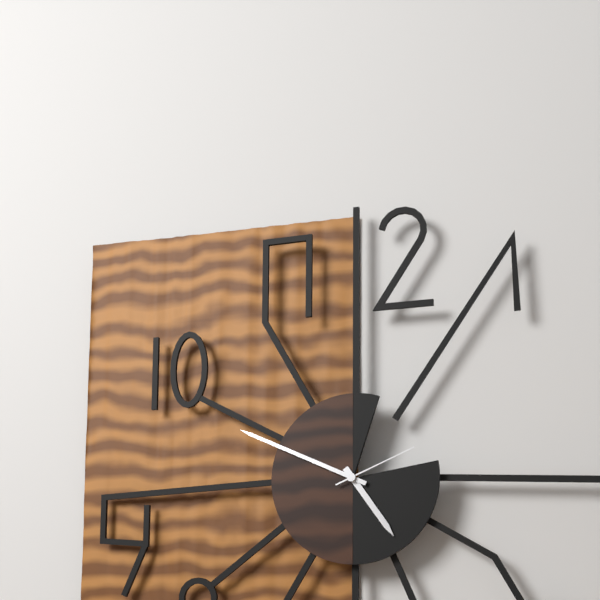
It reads 4:49:11
